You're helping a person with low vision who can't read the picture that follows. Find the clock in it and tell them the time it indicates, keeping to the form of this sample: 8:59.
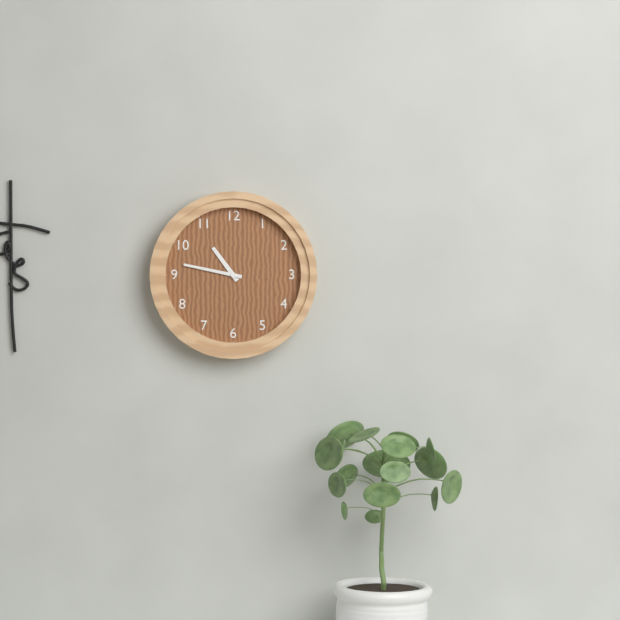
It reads 10:47
